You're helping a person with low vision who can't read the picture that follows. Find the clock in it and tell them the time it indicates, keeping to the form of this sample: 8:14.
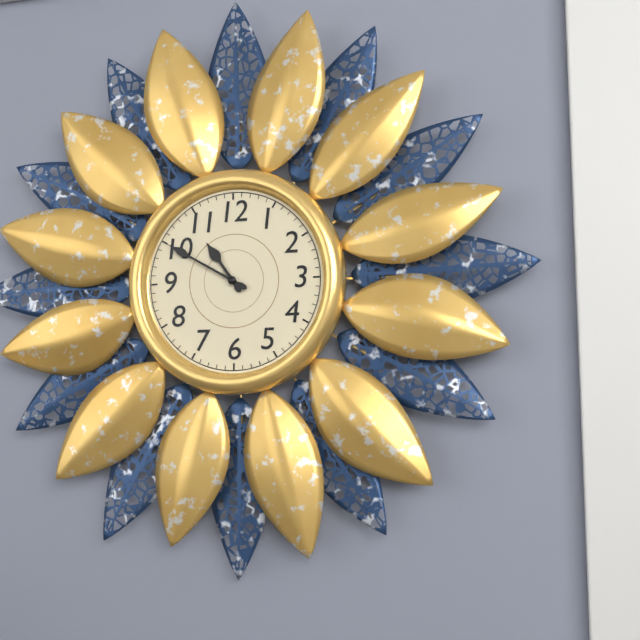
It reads 10:50
